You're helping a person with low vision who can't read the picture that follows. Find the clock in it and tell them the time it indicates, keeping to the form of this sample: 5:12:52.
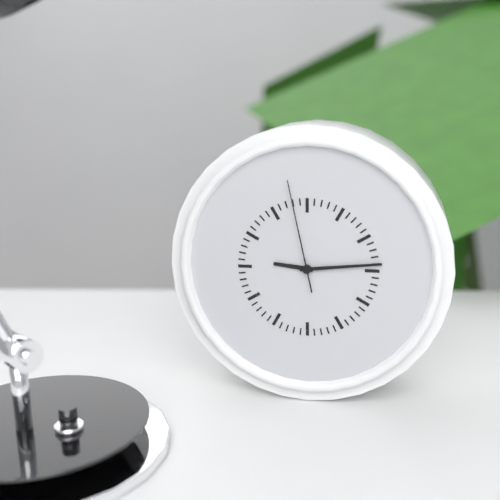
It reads 9:14:58
